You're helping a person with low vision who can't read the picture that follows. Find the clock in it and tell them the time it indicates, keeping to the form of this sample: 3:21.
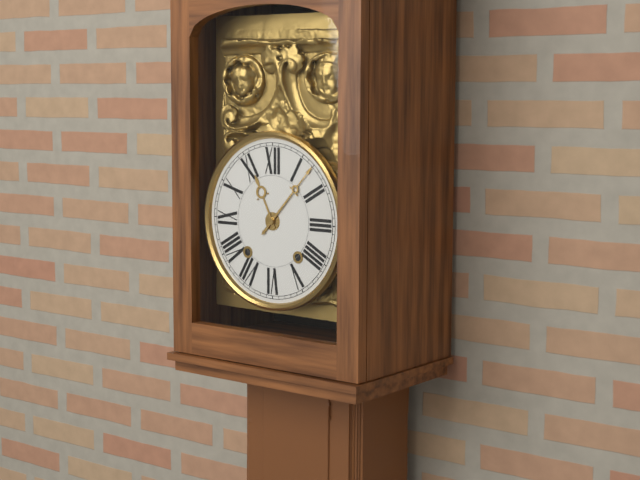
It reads 11:07
